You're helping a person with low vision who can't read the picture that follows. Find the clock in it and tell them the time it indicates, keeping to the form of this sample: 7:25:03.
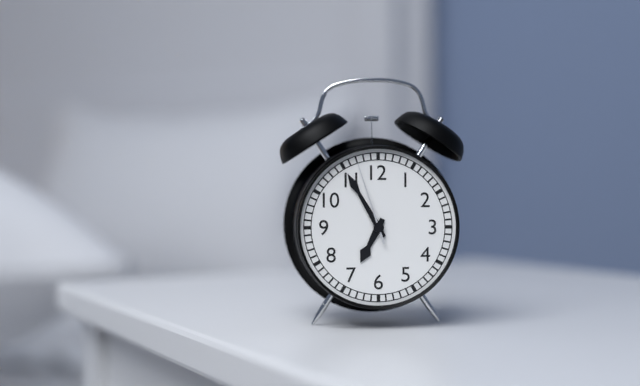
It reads 6:55:57
